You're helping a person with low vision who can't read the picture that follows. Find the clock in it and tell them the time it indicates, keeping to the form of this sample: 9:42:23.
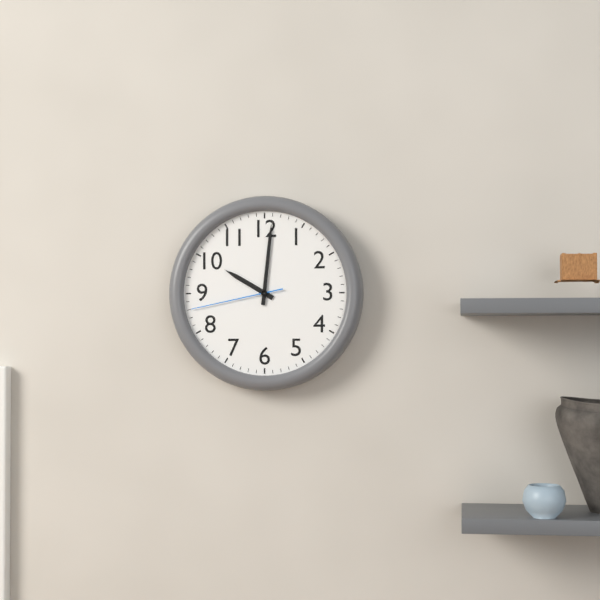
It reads 10:01:43
